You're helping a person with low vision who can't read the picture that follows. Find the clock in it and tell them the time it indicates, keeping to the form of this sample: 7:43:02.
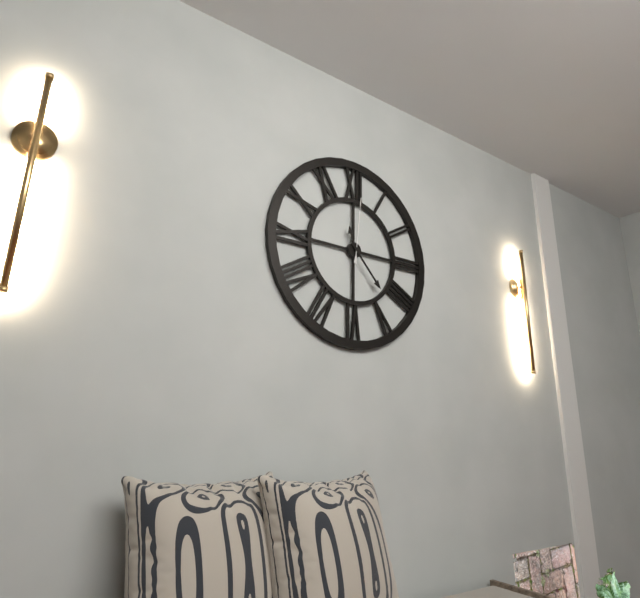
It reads 11:23:01
